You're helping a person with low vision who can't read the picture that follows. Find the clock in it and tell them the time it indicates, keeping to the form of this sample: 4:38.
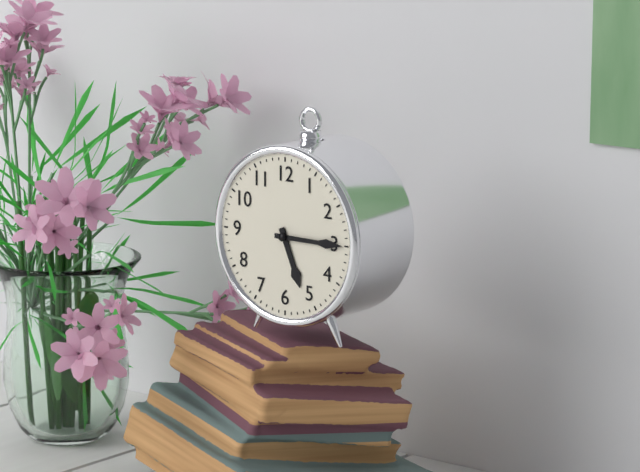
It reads 5:15
